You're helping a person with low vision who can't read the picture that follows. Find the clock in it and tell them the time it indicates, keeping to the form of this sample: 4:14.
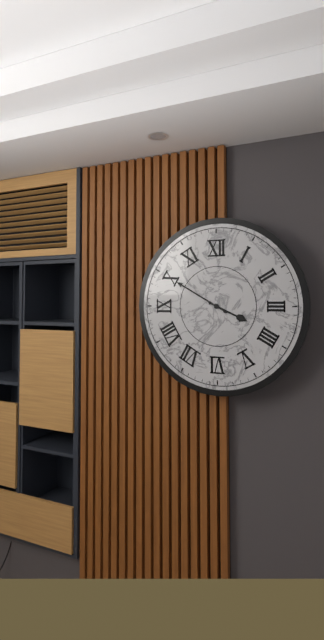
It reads 3:50
